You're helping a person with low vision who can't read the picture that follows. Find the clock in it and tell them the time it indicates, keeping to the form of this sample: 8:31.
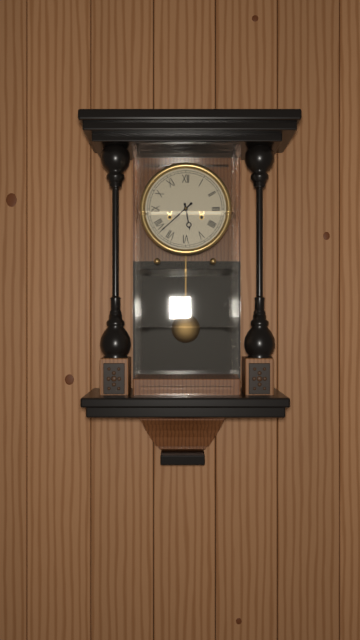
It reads 5:38
